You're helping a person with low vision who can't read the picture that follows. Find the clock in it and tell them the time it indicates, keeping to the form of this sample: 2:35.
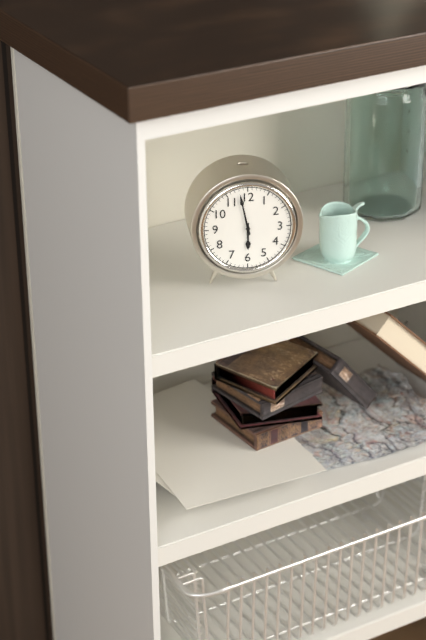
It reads 5:58
